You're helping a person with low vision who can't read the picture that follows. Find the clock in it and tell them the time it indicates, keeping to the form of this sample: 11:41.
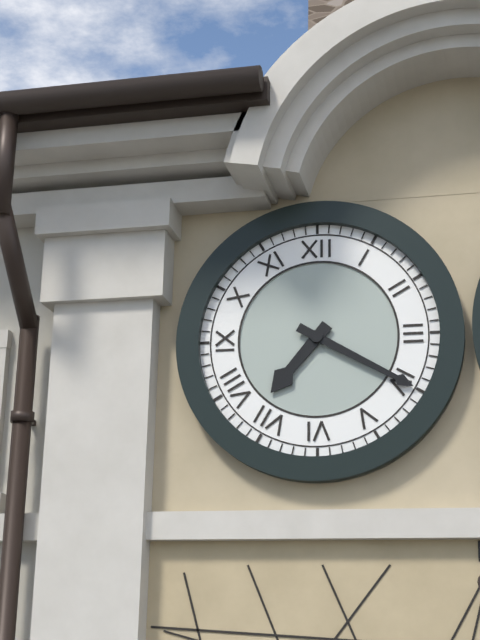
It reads 7:20
